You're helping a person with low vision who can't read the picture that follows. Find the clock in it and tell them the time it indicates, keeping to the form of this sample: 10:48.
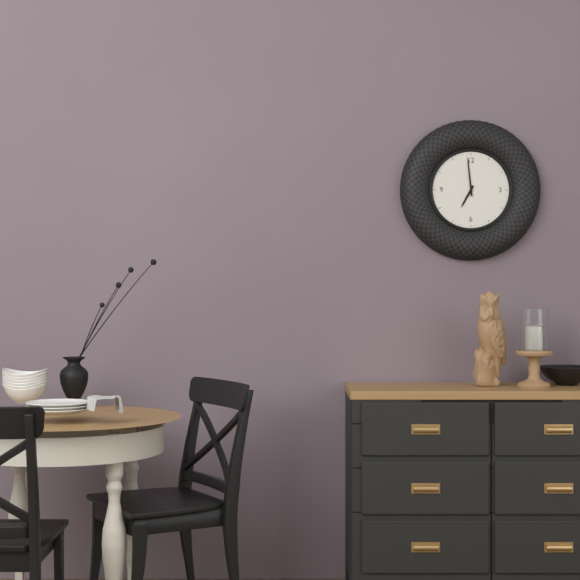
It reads 6:59
